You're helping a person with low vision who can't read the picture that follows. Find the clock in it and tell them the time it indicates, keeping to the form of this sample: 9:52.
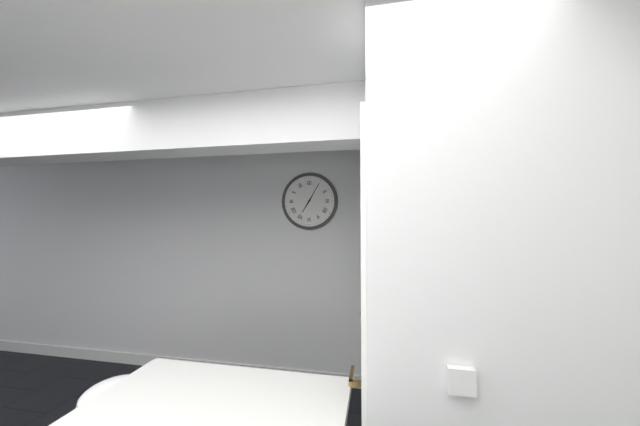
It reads 7:05
